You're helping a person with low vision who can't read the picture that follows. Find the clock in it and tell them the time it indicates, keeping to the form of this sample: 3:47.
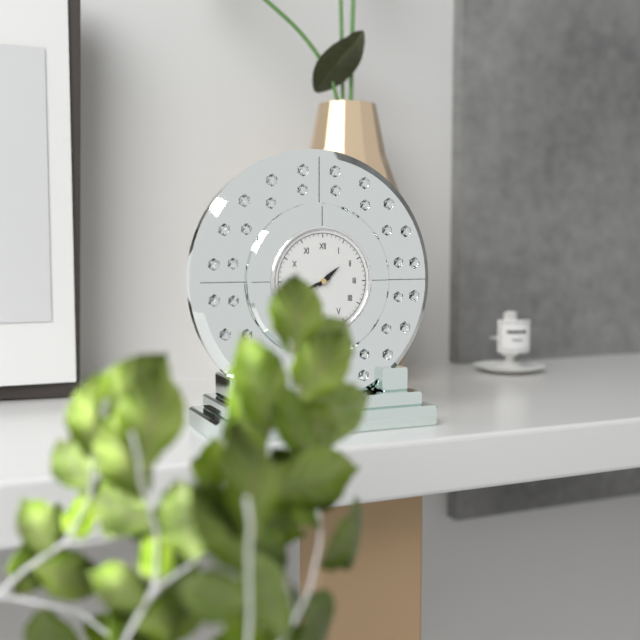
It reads 1:41
